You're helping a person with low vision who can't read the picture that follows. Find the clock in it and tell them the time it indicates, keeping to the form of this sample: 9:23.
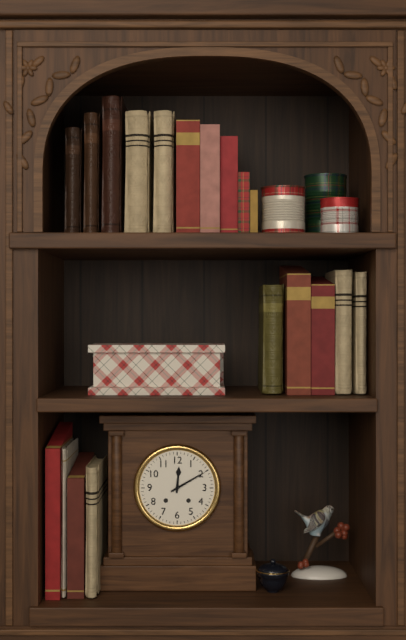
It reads 12:10
